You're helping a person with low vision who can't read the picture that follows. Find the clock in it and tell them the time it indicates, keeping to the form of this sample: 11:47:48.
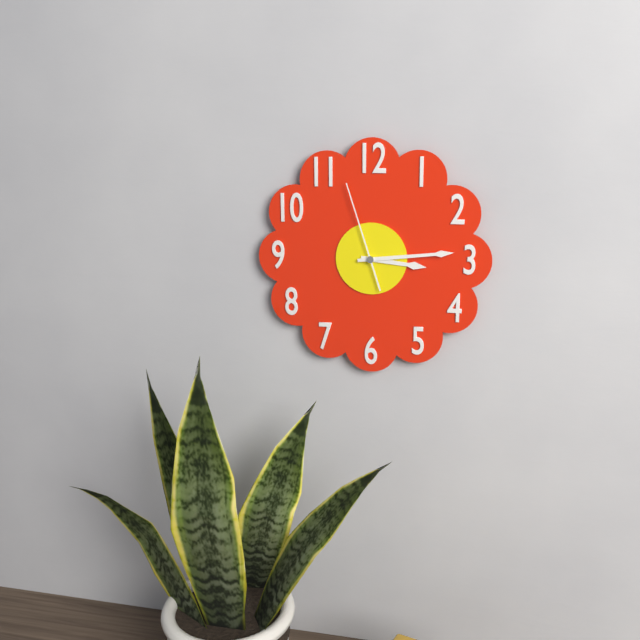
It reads 3:14:57
